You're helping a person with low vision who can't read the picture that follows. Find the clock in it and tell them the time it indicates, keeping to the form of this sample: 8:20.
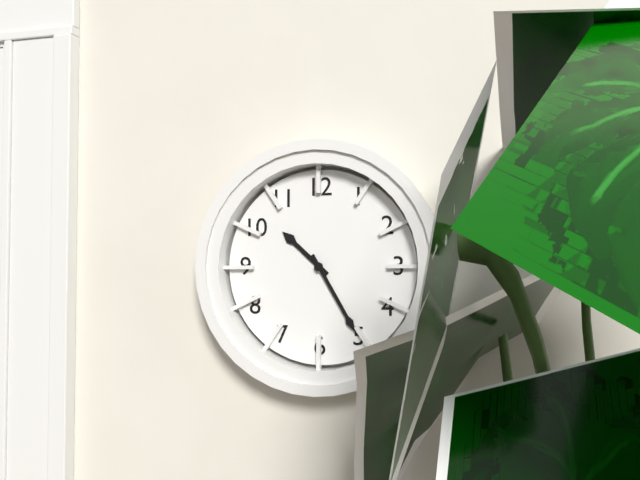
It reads 10:25
